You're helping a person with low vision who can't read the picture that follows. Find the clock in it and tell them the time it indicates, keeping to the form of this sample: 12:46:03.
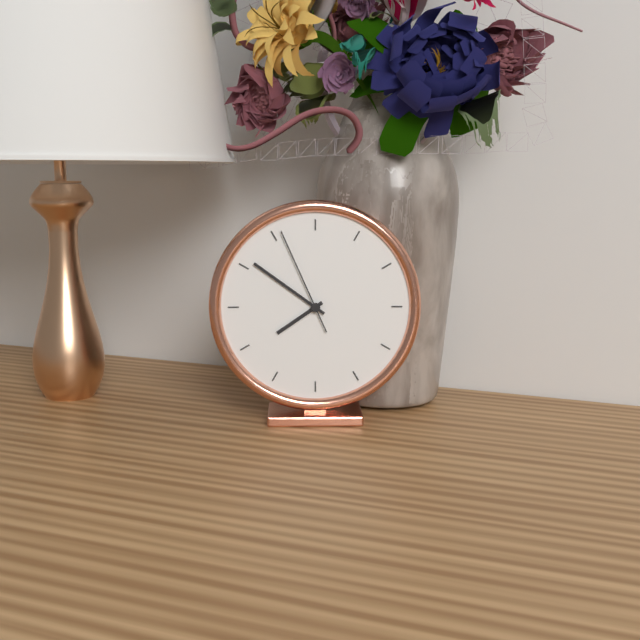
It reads 7:51:56
